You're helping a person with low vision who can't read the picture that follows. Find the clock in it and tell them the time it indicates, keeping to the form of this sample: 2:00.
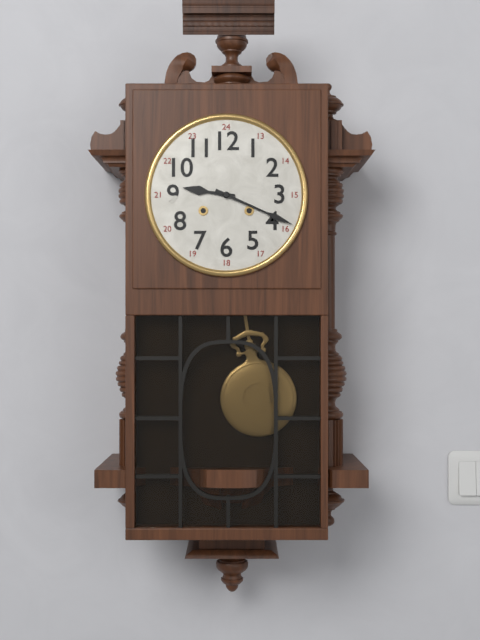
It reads 9:19
